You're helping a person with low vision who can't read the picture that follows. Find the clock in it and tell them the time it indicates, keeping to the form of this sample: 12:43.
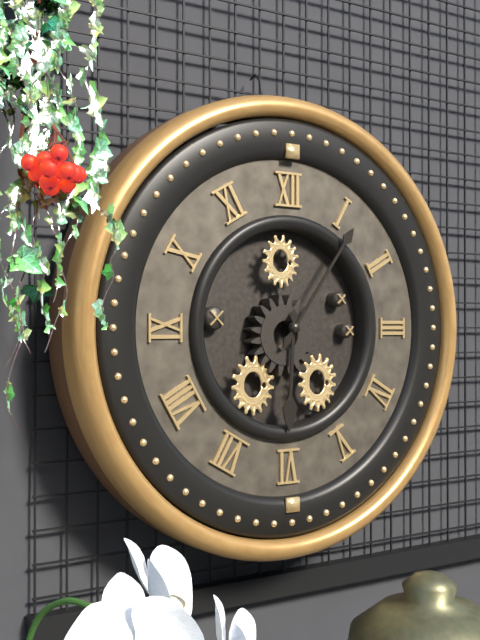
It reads 6:06
